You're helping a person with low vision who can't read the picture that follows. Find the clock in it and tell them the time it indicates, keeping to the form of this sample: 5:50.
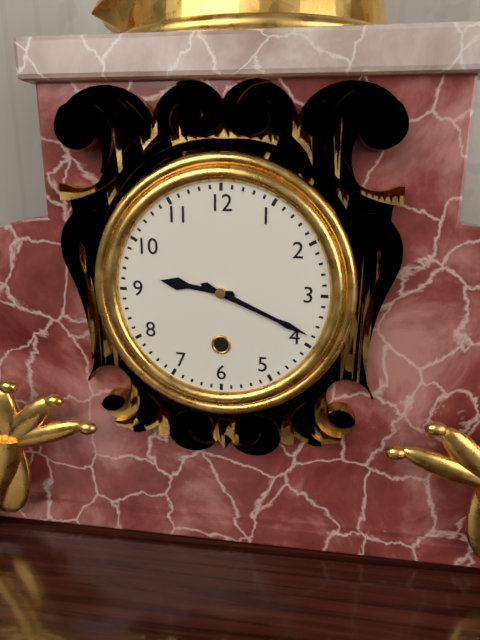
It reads 9:19
